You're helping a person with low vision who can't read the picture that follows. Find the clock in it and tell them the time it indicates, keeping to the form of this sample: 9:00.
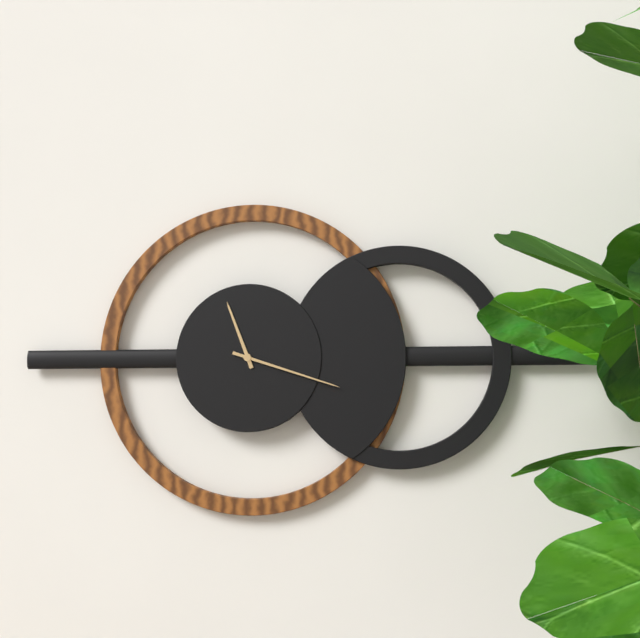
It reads 11:18
